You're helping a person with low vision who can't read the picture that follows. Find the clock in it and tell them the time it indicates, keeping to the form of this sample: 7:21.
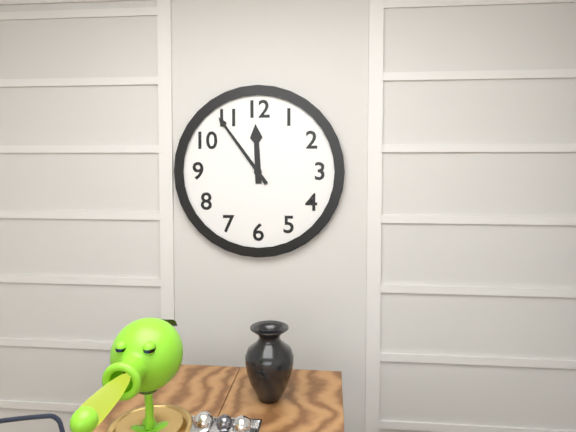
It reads 11:54
